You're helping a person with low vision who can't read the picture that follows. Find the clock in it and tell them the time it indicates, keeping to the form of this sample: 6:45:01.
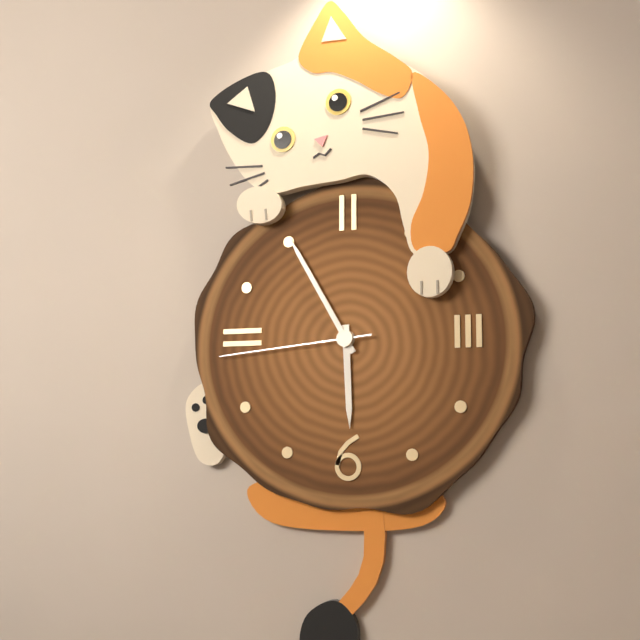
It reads 5:55:44
